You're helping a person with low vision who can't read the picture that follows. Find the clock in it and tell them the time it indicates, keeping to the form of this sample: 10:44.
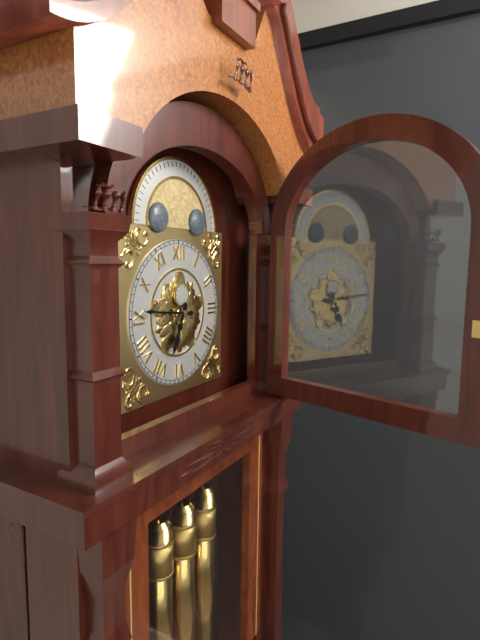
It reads 6:46
